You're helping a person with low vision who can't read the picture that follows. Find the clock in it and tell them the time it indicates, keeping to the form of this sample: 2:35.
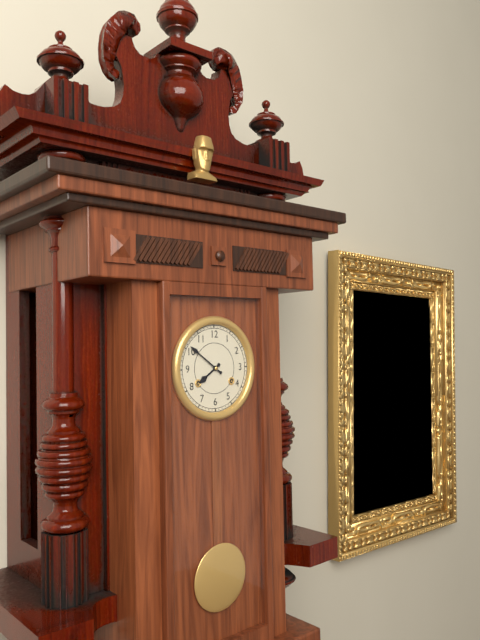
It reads 7:51
